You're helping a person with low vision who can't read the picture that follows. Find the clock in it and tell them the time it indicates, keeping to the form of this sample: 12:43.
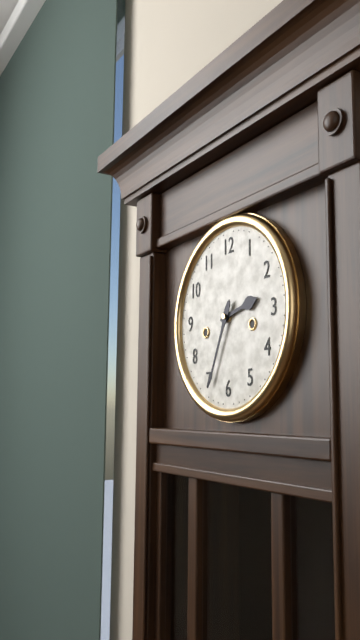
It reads 2:34
